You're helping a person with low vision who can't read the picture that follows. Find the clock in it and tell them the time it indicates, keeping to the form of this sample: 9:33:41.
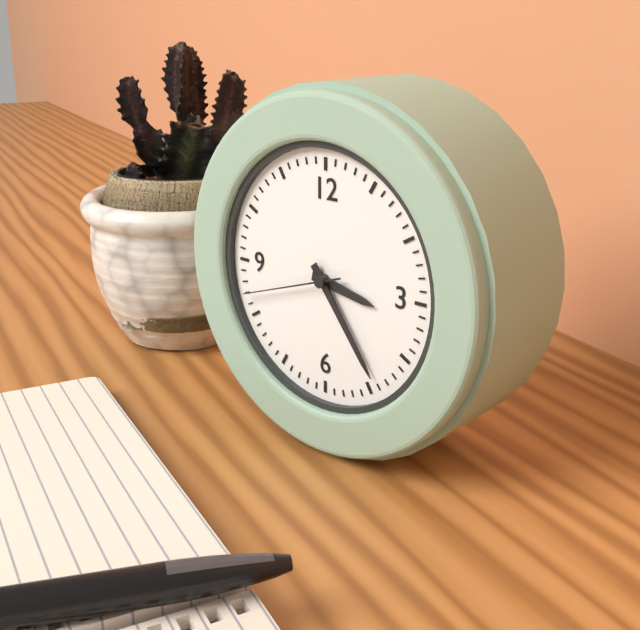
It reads 3:24:42
